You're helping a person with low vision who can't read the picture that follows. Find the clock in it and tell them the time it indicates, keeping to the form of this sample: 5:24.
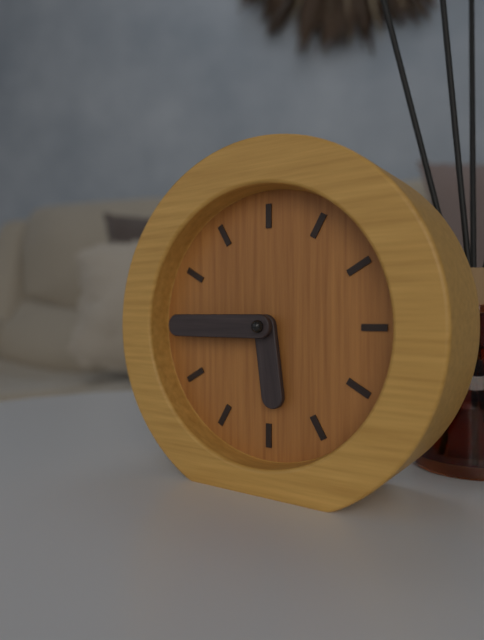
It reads 5:45
